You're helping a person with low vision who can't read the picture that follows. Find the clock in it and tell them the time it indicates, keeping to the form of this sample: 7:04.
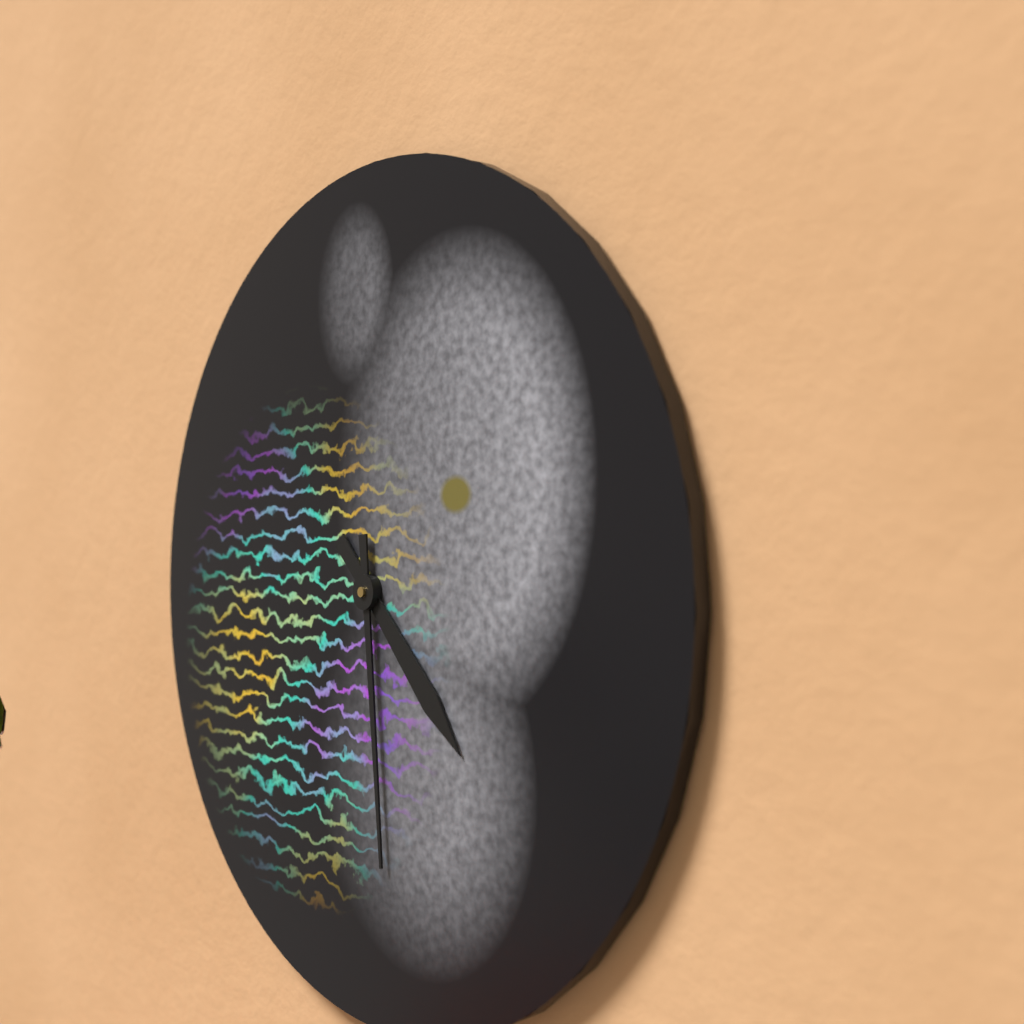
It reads 4:29
